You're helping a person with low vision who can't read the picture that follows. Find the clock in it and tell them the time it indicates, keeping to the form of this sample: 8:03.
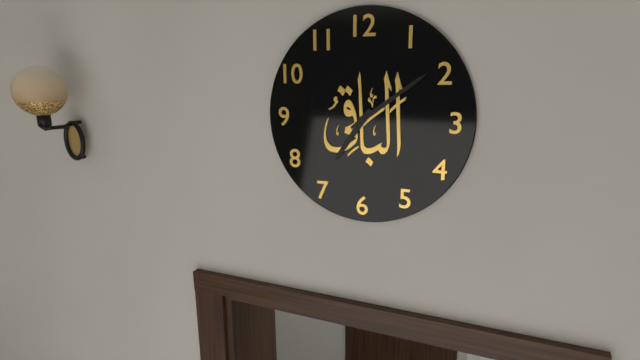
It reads 7:09
